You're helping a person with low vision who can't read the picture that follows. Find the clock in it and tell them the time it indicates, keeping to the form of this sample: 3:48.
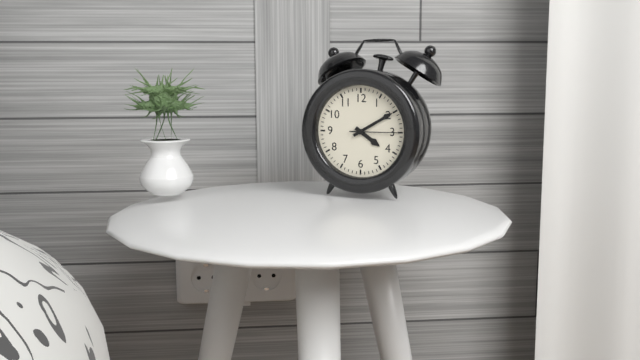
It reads 4:10
